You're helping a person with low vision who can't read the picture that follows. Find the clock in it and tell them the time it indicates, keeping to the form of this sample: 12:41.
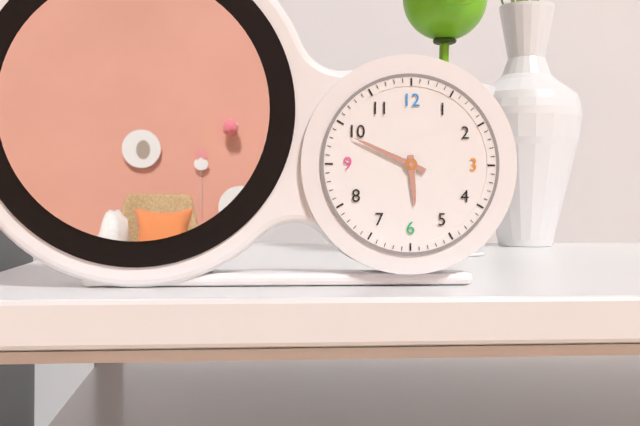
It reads 5:49
